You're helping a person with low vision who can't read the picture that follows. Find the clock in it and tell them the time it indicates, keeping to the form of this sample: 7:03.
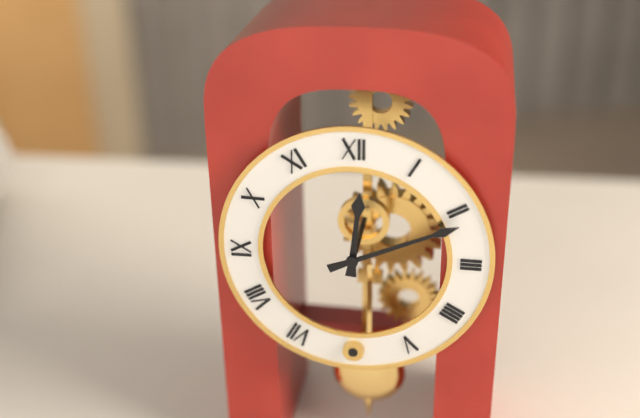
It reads 12:11
